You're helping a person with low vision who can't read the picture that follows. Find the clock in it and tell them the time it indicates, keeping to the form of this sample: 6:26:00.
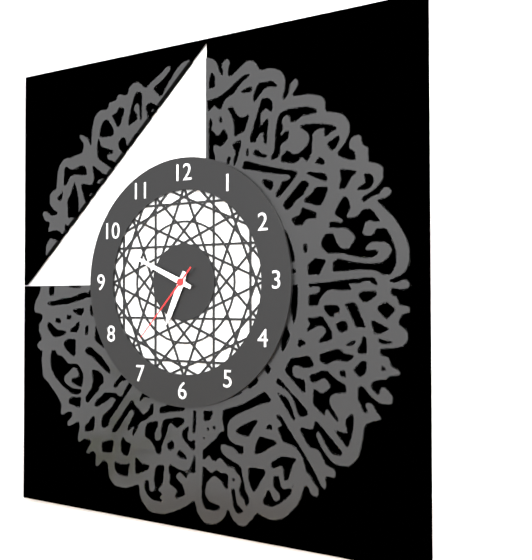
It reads 6:49:37
